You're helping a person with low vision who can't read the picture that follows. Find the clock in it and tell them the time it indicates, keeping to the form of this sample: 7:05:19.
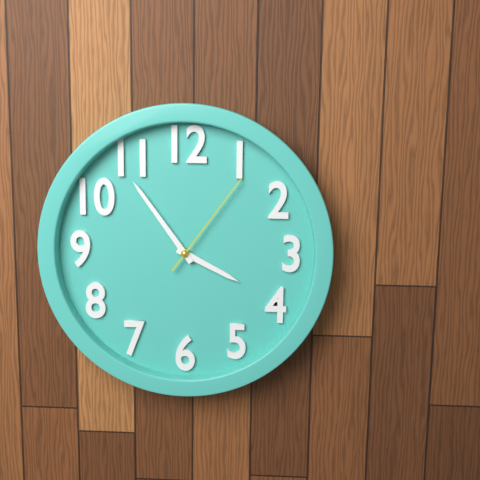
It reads 3:54:06
